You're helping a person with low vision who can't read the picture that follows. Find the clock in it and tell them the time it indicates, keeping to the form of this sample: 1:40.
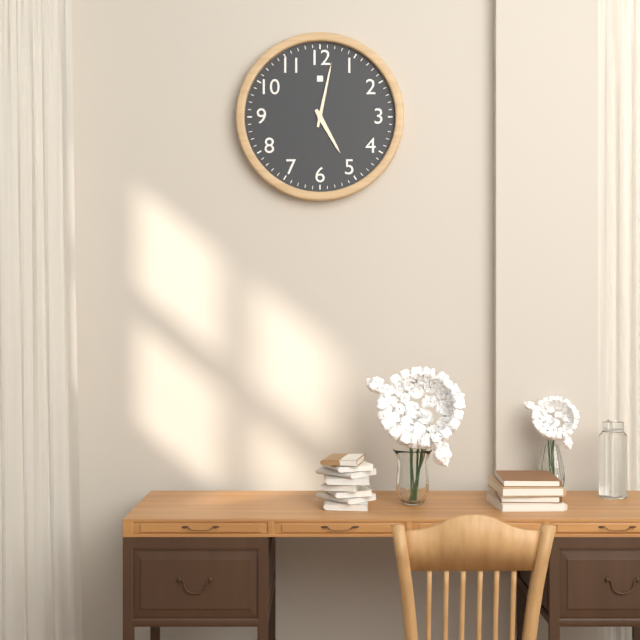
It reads 5:02
